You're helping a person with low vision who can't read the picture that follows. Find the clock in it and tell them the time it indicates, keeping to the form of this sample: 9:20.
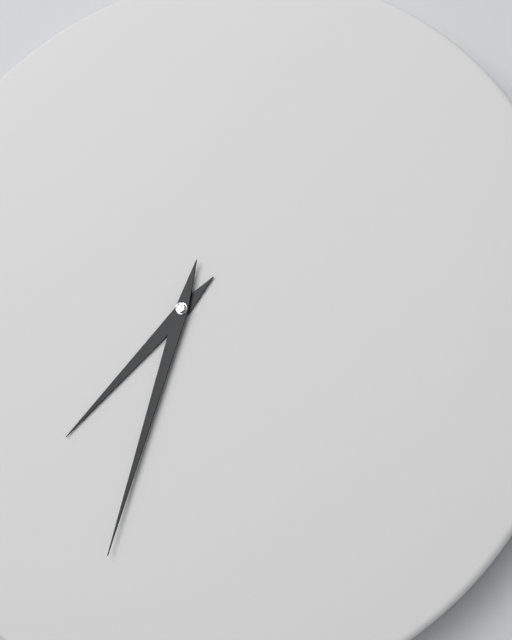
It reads 7:33
